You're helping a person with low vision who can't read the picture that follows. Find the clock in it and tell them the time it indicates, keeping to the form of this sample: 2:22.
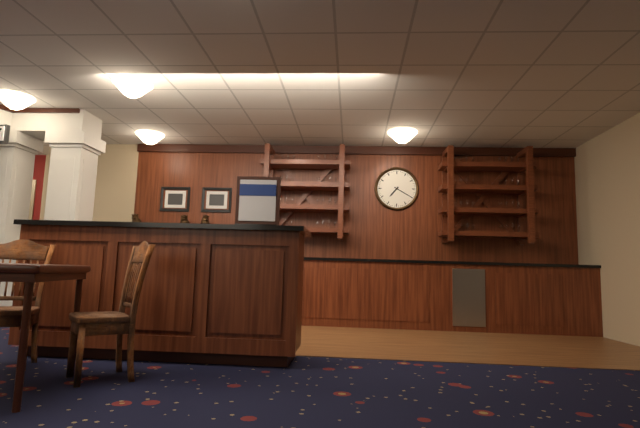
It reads 7:20
